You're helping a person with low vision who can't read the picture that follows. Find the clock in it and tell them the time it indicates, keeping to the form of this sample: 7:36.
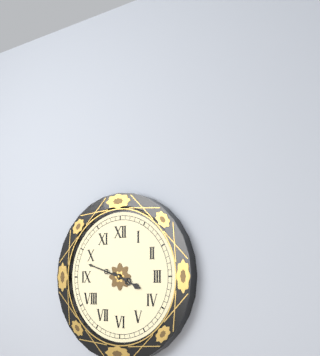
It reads 3:48
